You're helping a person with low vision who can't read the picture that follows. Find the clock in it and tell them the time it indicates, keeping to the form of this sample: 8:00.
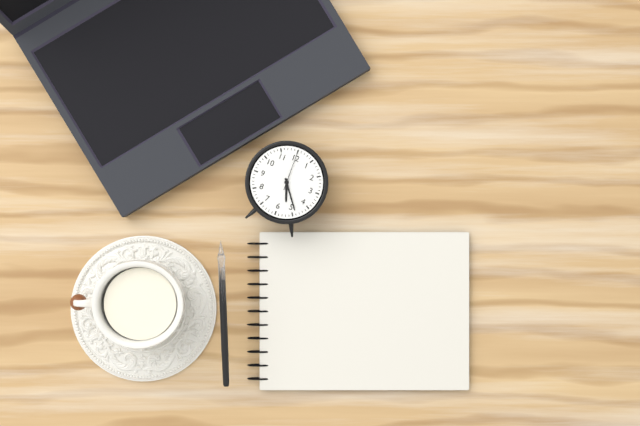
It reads 5:24
